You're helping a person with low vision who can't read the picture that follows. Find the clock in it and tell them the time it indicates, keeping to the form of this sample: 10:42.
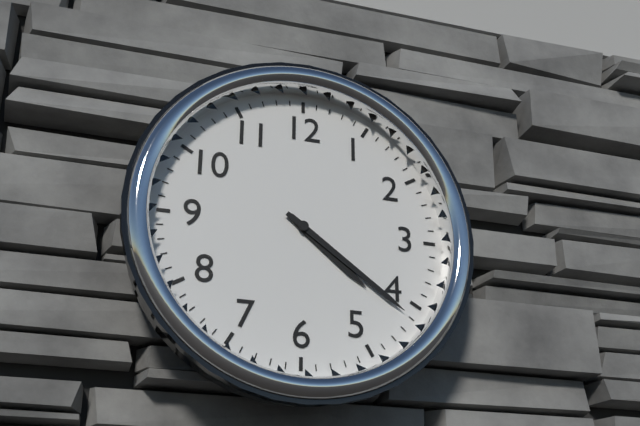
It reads 4:21
